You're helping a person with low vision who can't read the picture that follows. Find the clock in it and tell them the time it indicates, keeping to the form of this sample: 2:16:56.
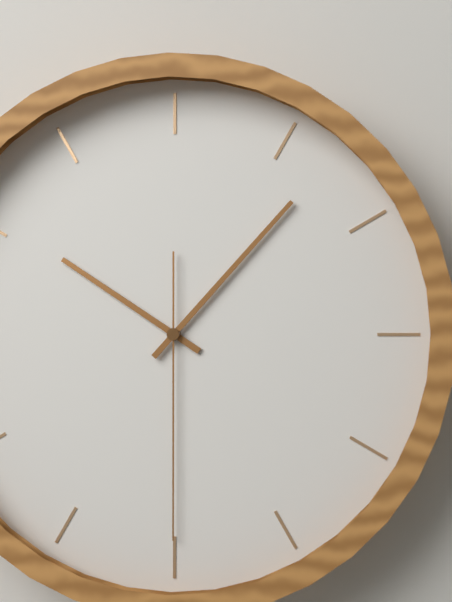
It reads 10:07:30
